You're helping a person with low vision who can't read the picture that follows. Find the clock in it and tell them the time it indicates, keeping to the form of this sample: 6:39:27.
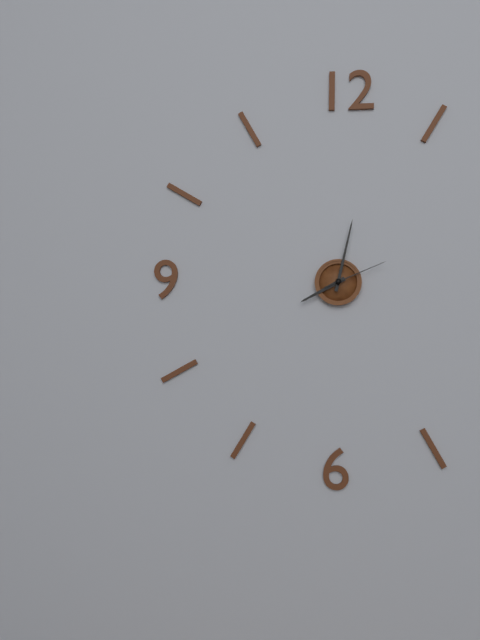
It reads 8:02:11
